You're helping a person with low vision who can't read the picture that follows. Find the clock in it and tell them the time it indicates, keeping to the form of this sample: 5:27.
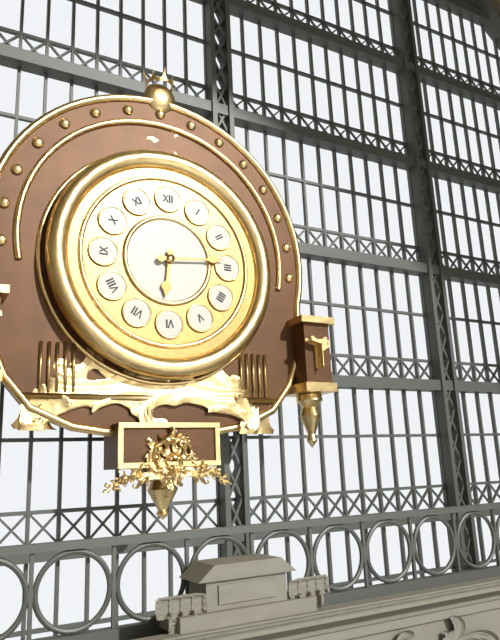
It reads 6:14
